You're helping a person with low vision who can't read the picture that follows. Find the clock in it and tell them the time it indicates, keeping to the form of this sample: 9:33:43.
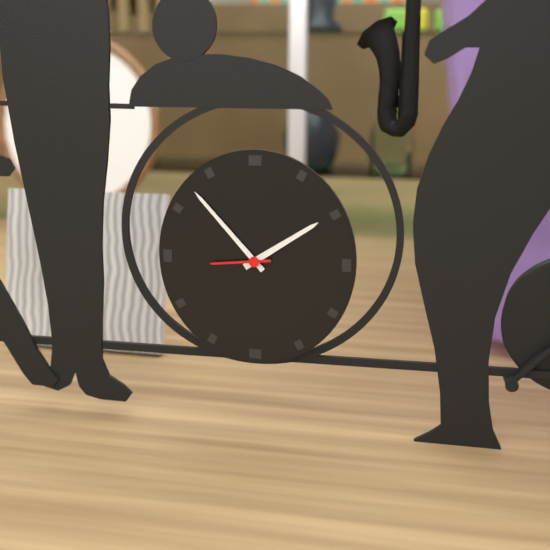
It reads 1:53:44
